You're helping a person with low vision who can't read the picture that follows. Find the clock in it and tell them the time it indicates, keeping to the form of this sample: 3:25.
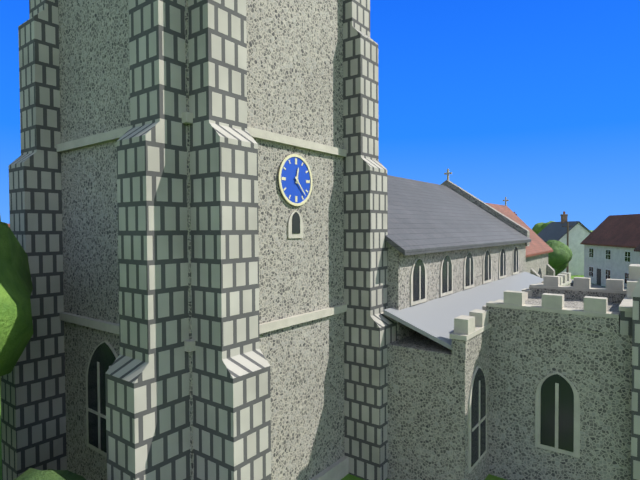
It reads 12:23
